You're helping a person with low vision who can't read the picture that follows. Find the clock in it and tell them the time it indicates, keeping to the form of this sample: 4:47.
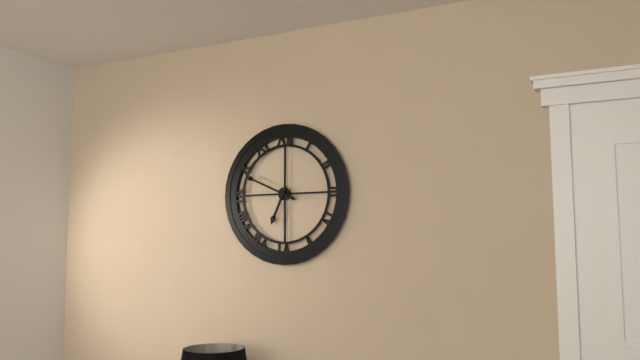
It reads 6:49
